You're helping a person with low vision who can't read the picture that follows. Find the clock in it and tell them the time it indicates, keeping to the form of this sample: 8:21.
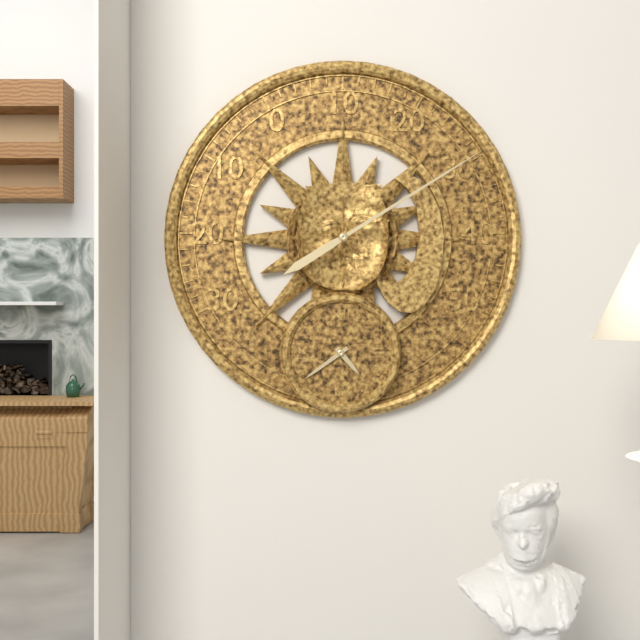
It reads 4:39
